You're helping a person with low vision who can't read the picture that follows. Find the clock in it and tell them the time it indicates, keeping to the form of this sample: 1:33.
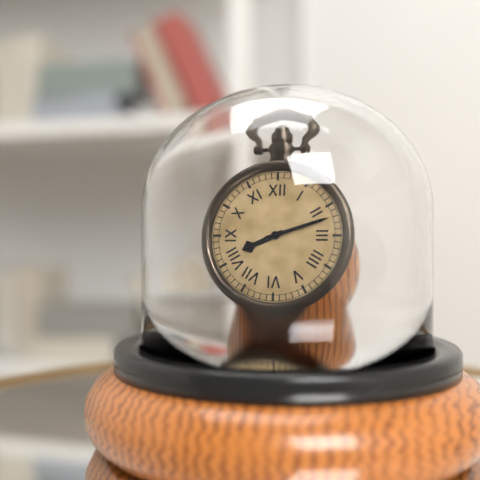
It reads 8:12
